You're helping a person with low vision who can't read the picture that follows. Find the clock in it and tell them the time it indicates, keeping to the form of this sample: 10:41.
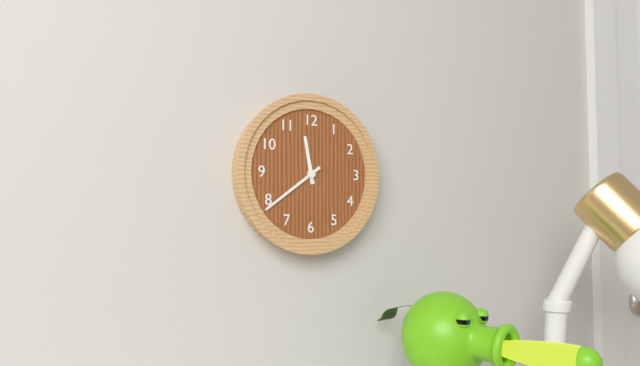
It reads 11:39
